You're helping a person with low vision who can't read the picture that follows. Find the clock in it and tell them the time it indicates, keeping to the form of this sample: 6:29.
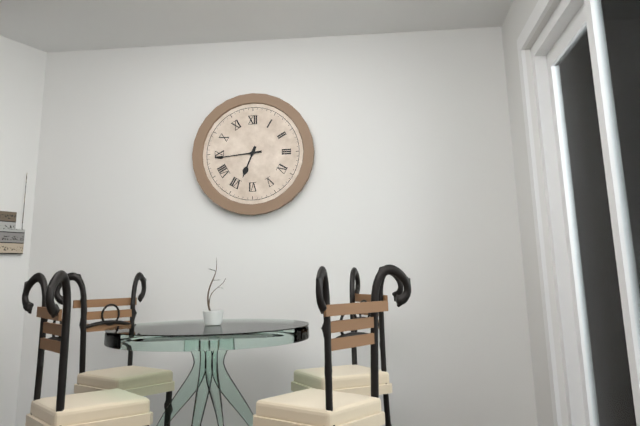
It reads 6:44
